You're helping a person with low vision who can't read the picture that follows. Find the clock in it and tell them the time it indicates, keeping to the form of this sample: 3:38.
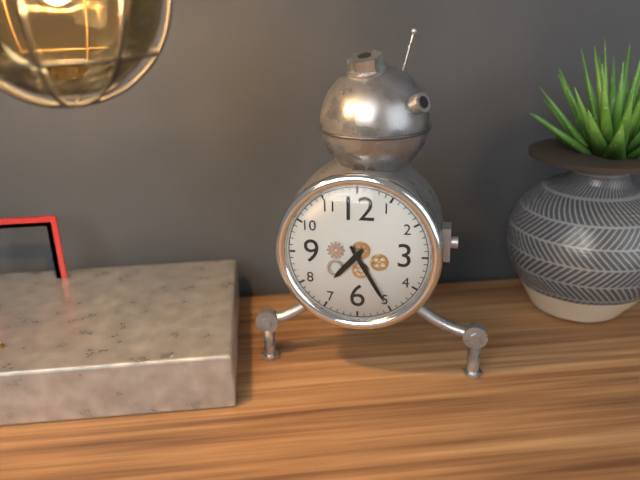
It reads 7:25
